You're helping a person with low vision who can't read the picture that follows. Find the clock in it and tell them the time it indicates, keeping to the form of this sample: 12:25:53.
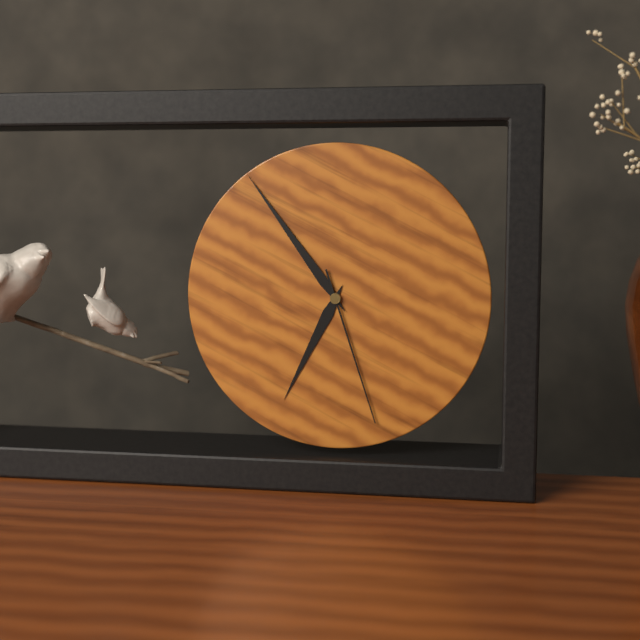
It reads 6:54:27
